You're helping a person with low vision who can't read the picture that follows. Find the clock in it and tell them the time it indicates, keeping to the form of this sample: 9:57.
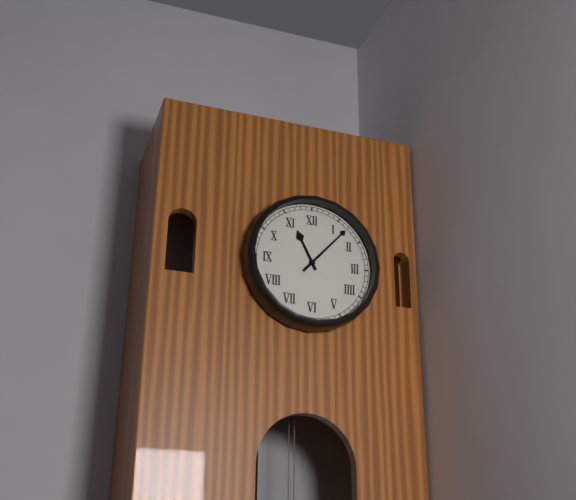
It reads 11:07
